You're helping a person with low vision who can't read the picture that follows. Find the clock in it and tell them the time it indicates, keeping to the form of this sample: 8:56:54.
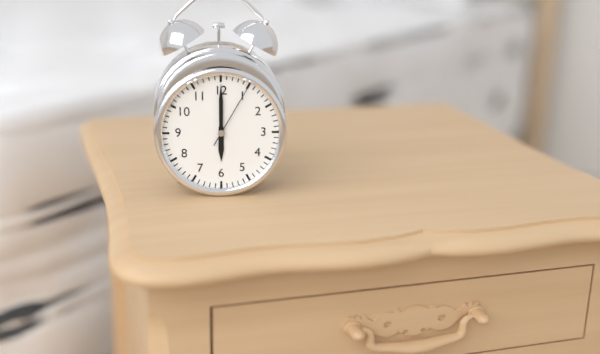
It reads 6:00:05
